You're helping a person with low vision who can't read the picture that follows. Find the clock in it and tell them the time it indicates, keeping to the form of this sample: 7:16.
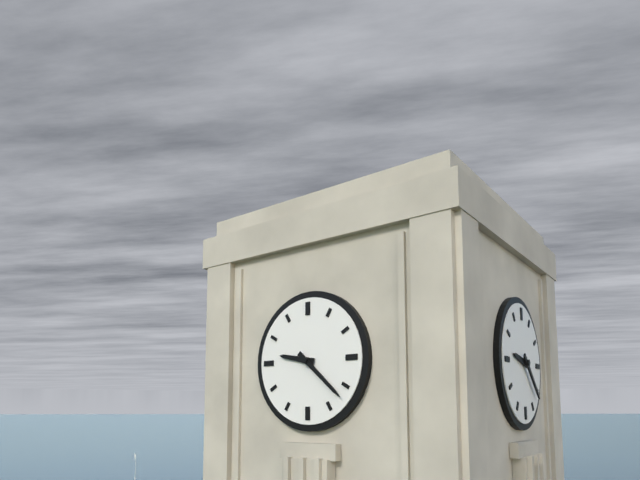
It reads 9:22
